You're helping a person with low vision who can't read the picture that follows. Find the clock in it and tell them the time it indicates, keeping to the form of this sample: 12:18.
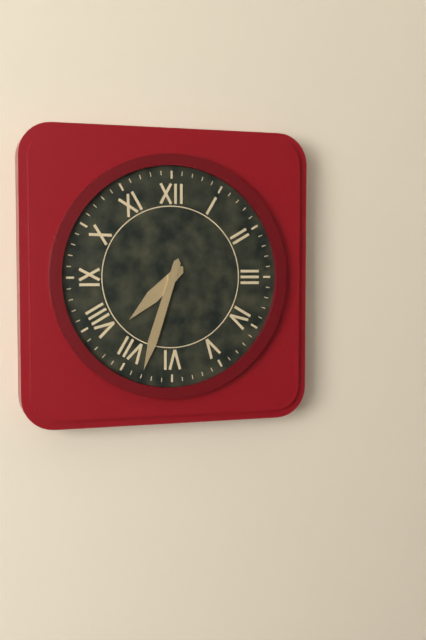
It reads 7:33
